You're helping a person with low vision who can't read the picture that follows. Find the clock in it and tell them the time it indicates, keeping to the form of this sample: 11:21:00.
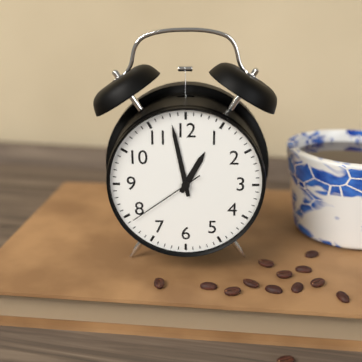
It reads 12:58:39
